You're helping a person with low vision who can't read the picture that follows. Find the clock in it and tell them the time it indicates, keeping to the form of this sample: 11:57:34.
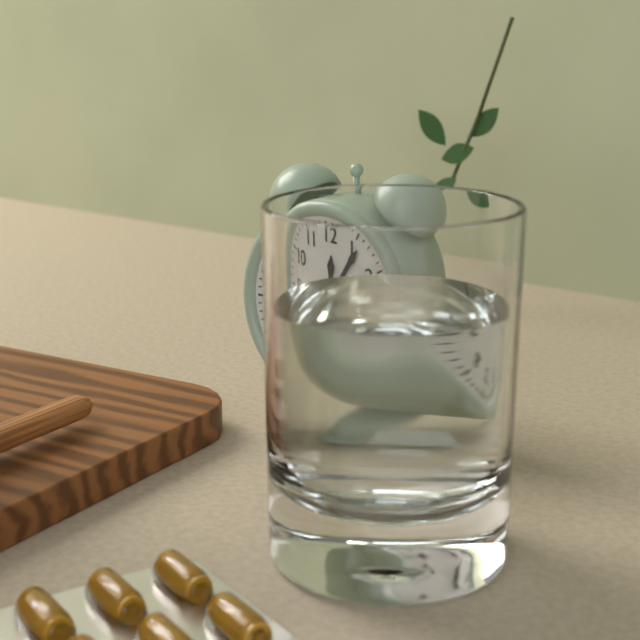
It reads 12:06:38
